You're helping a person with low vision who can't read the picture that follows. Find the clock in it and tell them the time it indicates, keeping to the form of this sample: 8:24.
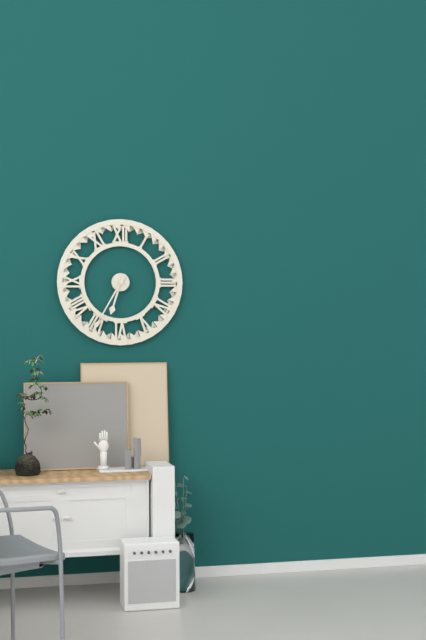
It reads 6:35
